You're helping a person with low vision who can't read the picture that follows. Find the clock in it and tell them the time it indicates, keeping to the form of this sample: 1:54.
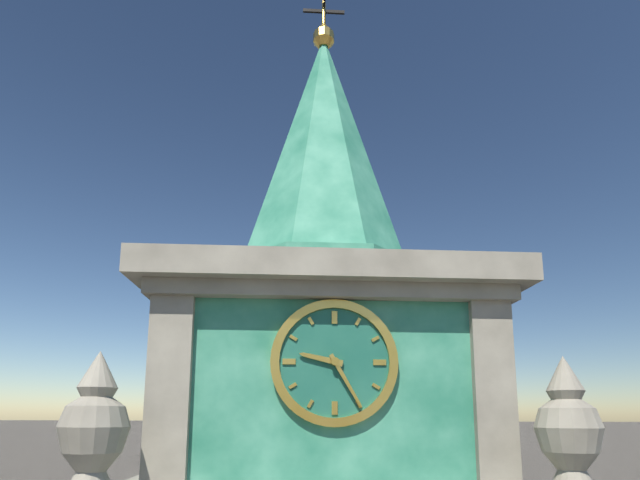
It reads 9:25
